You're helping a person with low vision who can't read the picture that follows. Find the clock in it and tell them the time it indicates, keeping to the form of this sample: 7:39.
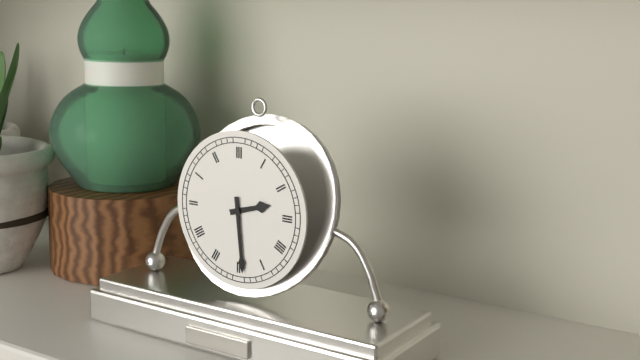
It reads 2:29
